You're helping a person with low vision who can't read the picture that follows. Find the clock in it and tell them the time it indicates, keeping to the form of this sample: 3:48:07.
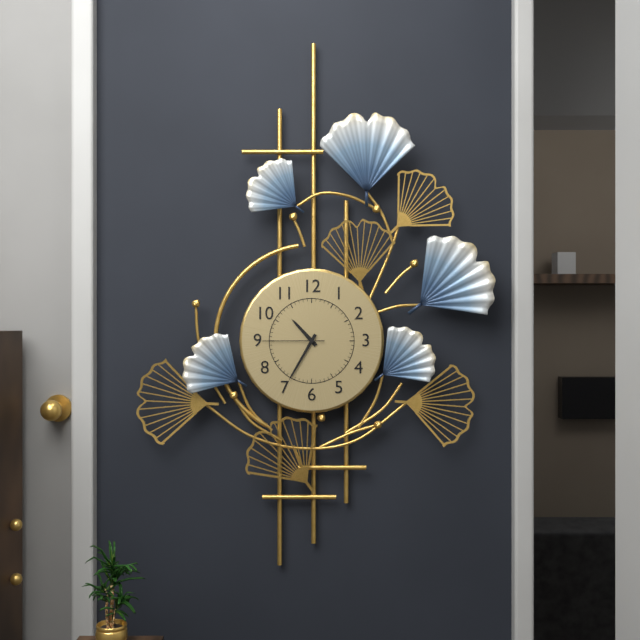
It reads 10:35:45
